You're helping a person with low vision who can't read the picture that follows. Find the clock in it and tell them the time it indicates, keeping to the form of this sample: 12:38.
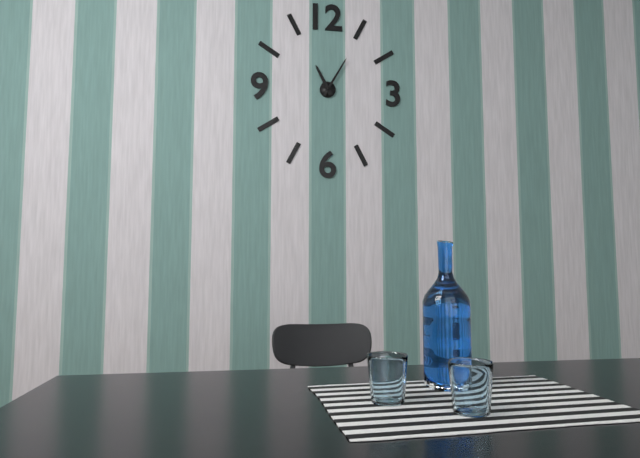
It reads 11:05
